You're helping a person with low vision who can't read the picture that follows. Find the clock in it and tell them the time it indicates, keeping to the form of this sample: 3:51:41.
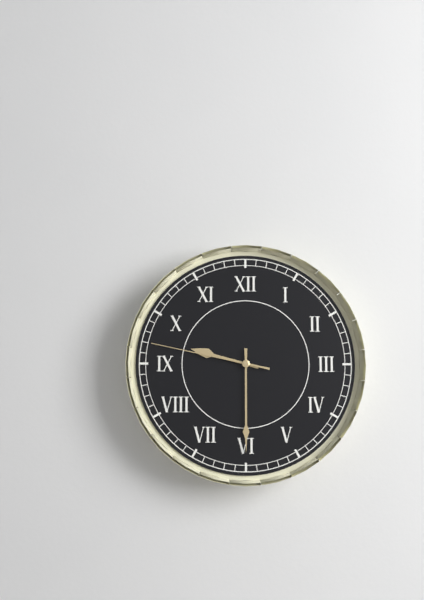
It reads 9:30:47
